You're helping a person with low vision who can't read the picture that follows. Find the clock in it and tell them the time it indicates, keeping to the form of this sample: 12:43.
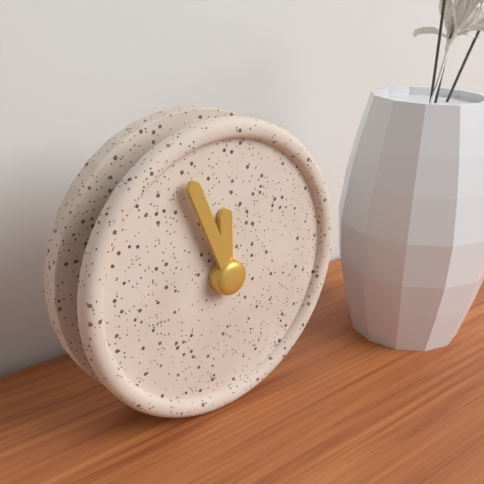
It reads 11:56
